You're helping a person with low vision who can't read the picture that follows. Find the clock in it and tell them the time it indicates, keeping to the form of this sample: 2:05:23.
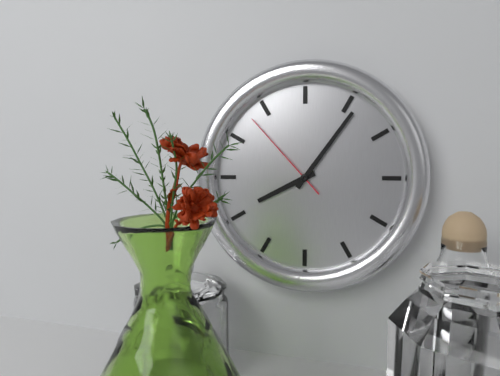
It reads 8:06:53
